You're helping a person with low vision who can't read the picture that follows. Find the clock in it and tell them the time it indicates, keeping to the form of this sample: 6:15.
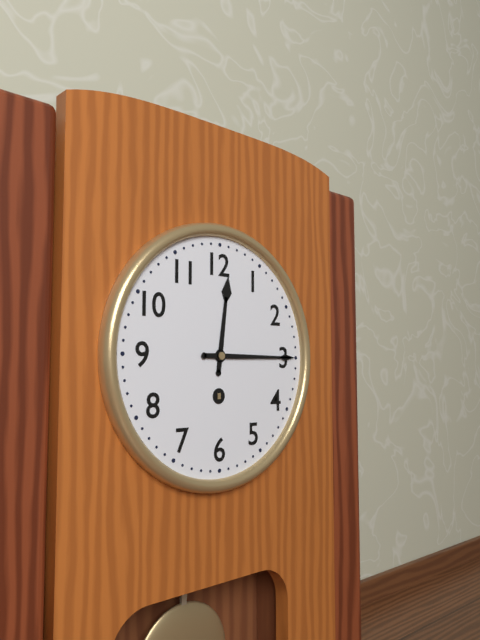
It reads 12:15
